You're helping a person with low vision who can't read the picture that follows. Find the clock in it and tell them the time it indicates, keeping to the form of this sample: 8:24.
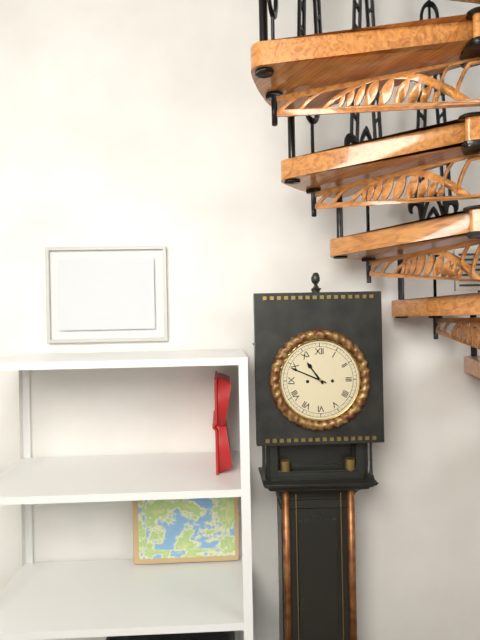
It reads 10:49
